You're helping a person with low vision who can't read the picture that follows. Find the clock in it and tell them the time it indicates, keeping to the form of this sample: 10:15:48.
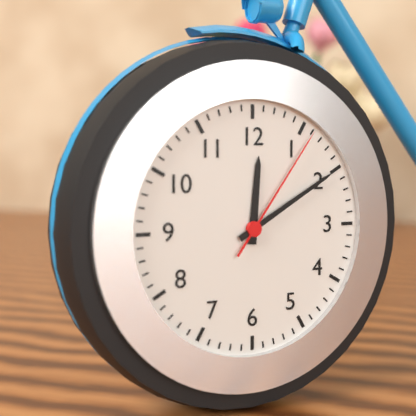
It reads 12:10:06
